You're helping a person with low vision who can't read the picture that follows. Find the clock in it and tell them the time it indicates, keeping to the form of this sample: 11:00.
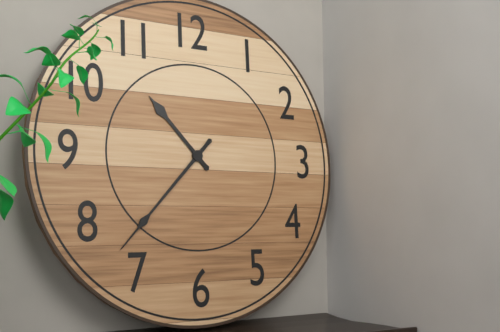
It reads 10:37
